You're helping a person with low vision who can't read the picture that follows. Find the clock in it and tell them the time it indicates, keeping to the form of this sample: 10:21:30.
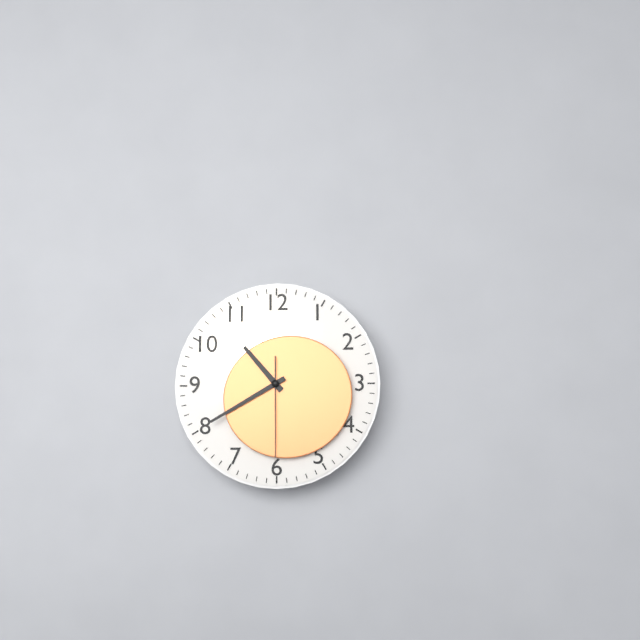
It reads 10:40:30
